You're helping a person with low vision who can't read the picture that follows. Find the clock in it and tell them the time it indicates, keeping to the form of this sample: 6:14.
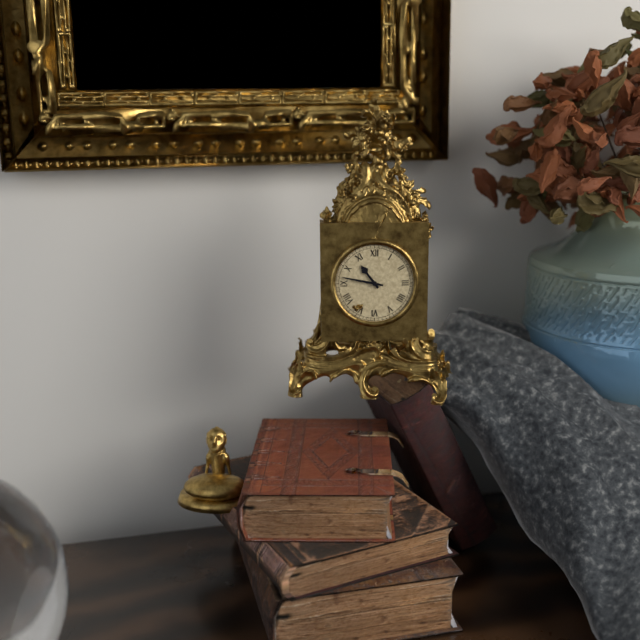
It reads 10:47
